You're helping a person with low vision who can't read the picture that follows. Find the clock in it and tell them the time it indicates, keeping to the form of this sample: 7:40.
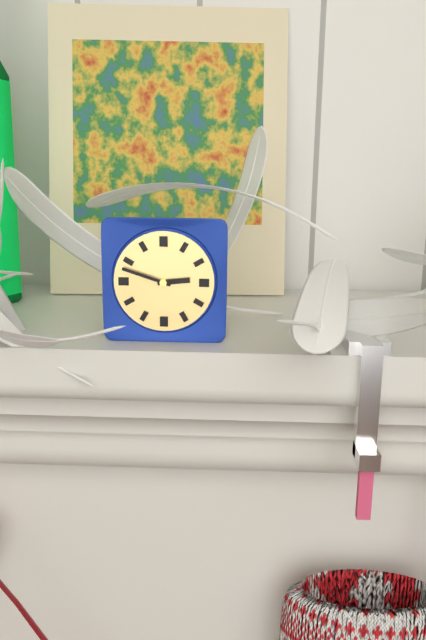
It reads 2:48
